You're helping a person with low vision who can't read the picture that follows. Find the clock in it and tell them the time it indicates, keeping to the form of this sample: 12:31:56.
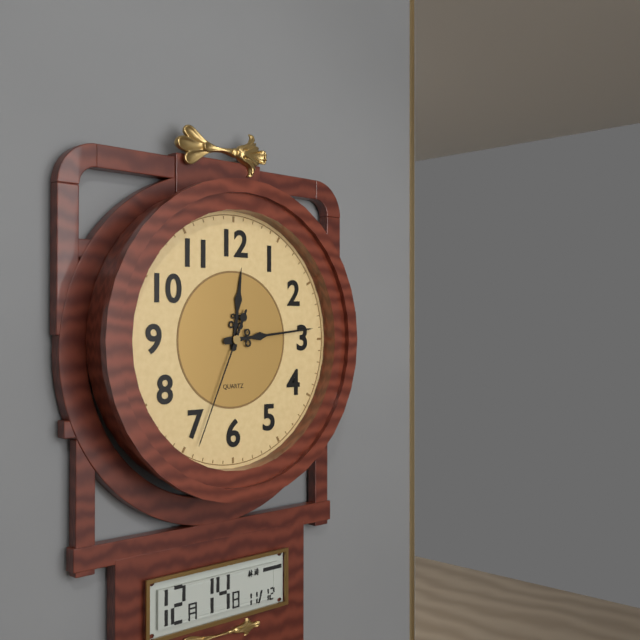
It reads 12:14:34
